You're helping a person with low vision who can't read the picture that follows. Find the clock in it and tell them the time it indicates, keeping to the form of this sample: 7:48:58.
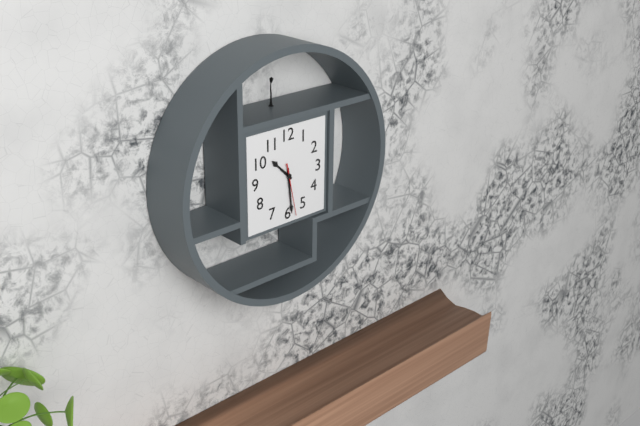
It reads 10:29:28
